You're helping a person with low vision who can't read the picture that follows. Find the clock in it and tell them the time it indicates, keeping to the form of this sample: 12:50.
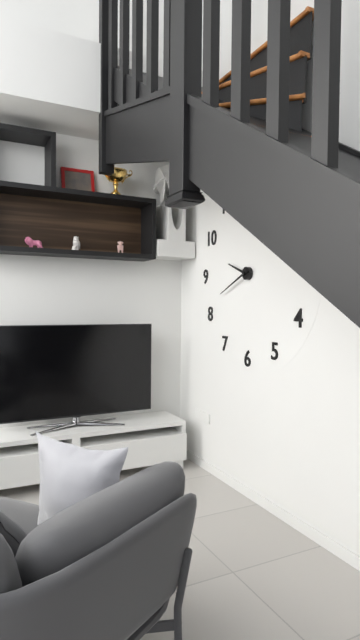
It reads 9:41
